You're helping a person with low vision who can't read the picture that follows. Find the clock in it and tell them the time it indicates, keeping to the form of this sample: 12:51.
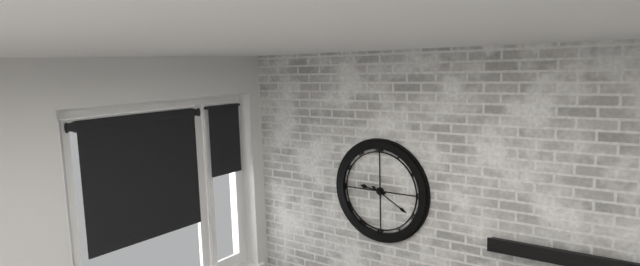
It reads 9:20
